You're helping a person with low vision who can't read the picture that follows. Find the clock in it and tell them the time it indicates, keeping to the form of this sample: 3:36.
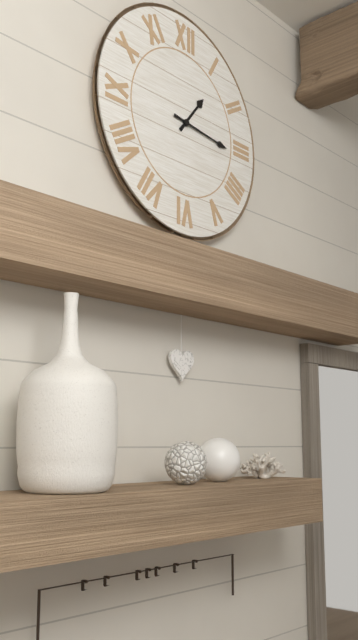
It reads 1:16
